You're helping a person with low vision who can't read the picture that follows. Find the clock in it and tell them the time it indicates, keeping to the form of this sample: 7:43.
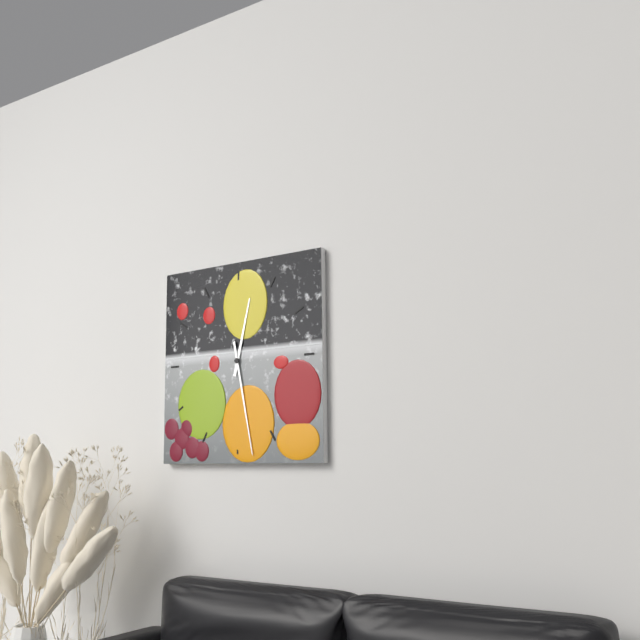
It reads 12:28
